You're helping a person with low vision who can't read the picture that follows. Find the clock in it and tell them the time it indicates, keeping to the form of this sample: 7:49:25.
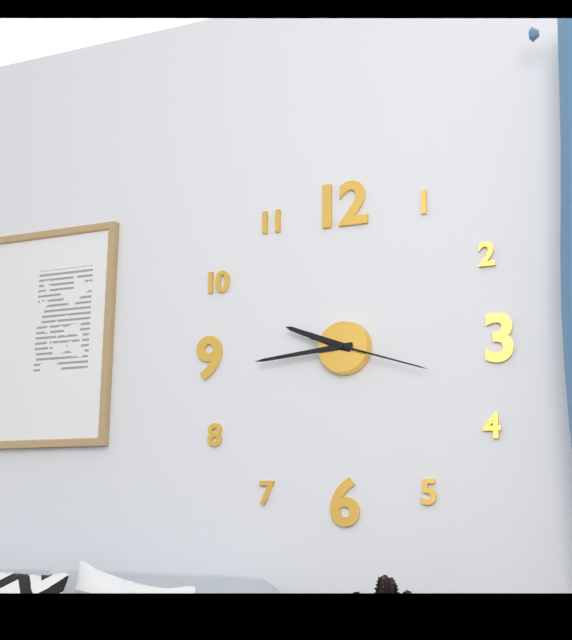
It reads 9:44:18
